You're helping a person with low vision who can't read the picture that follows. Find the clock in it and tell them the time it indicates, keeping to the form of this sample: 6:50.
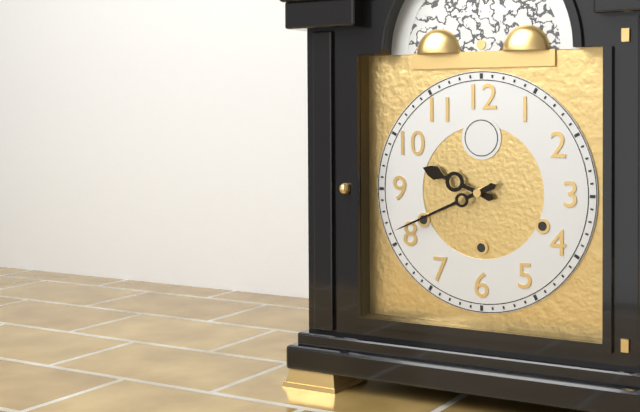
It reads 9:41
